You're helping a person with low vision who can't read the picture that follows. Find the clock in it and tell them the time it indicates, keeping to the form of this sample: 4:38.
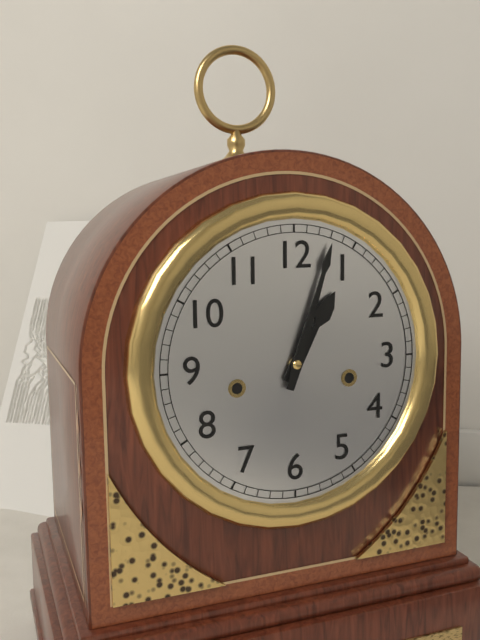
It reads 1:03
